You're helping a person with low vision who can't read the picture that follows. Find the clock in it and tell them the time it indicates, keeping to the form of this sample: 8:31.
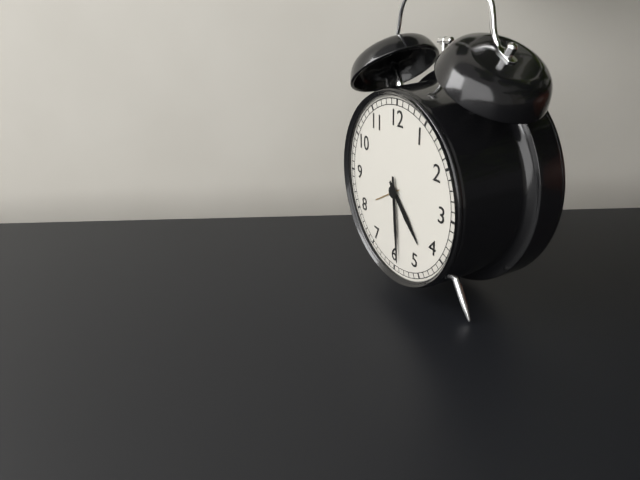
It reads 4:29
